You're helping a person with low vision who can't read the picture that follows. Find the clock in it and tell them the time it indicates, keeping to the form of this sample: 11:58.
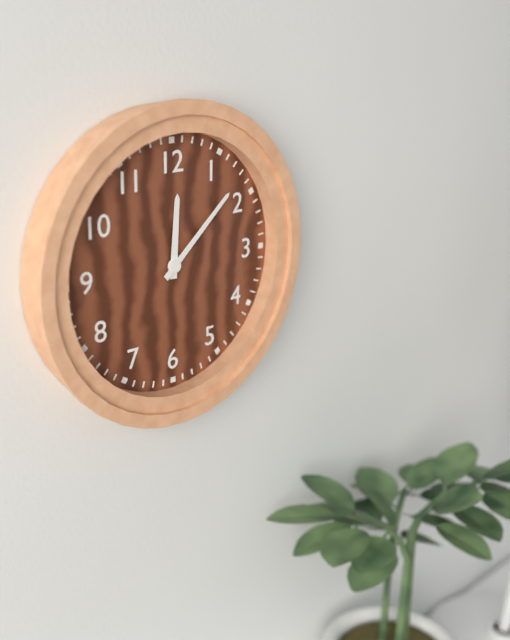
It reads 12:08
